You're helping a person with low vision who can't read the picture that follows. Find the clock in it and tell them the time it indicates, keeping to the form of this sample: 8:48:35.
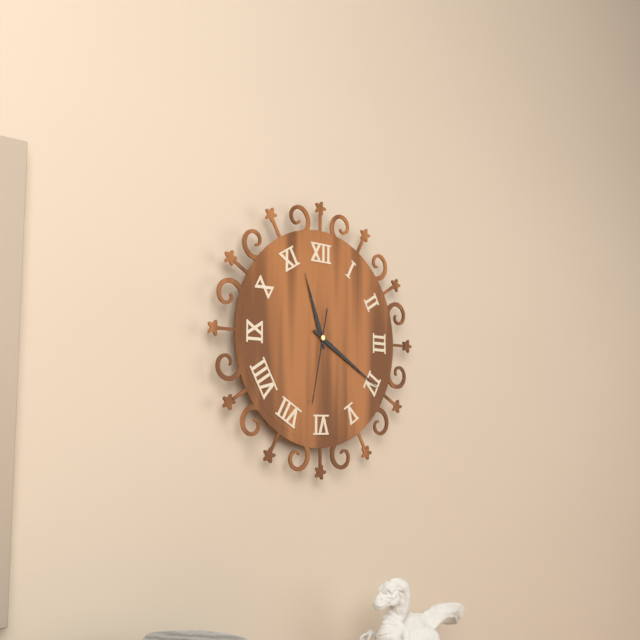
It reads 11:20:32
